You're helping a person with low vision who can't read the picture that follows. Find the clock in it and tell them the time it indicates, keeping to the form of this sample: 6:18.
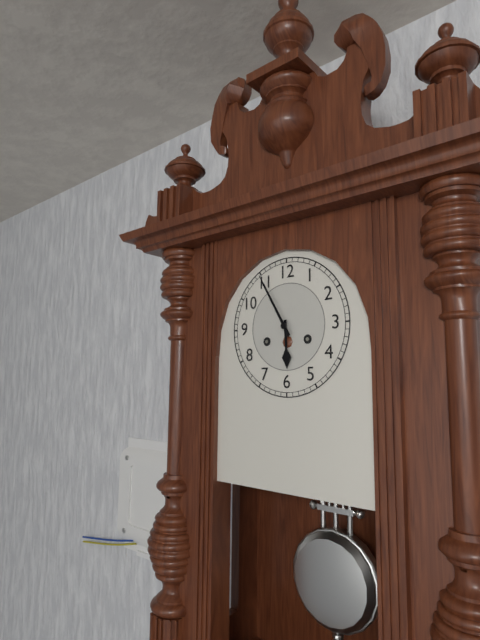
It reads 5:55
